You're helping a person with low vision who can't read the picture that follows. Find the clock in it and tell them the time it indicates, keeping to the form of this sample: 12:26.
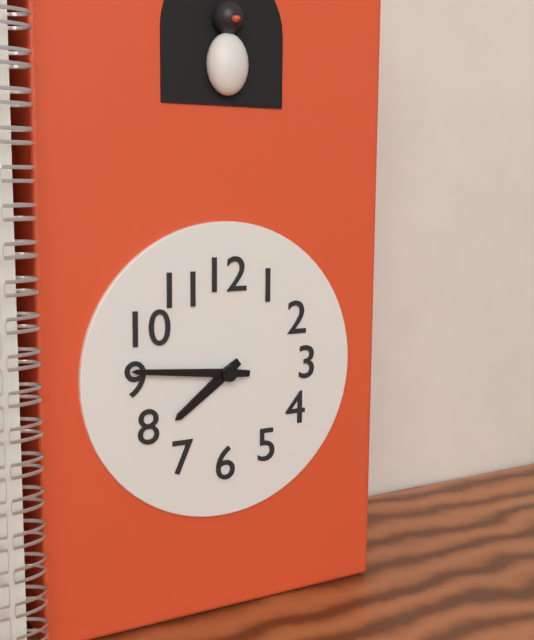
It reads 7:46
